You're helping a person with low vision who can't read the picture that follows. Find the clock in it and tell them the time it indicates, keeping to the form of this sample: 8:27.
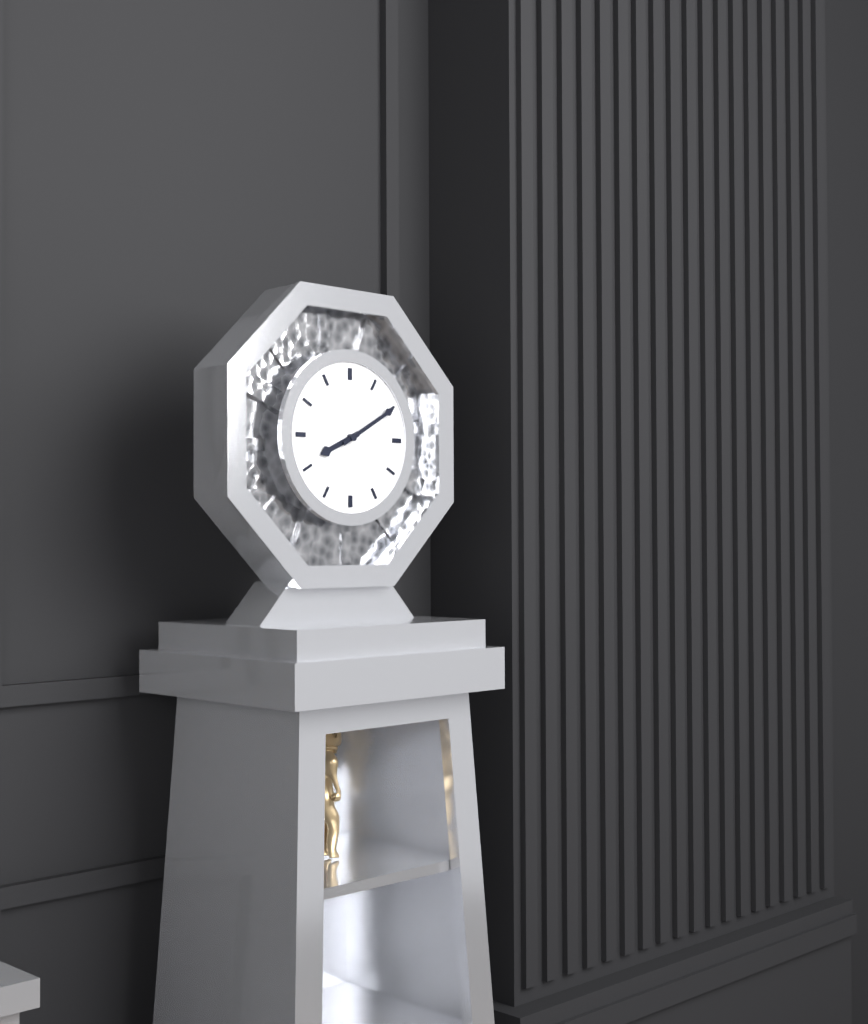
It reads 8:10
